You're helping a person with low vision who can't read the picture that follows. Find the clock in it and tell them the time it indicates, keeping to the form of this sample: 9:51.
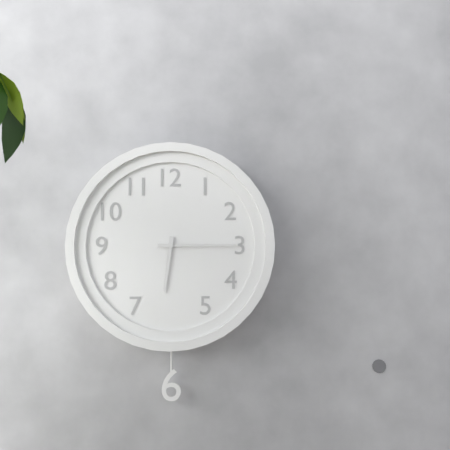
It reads 6:15
